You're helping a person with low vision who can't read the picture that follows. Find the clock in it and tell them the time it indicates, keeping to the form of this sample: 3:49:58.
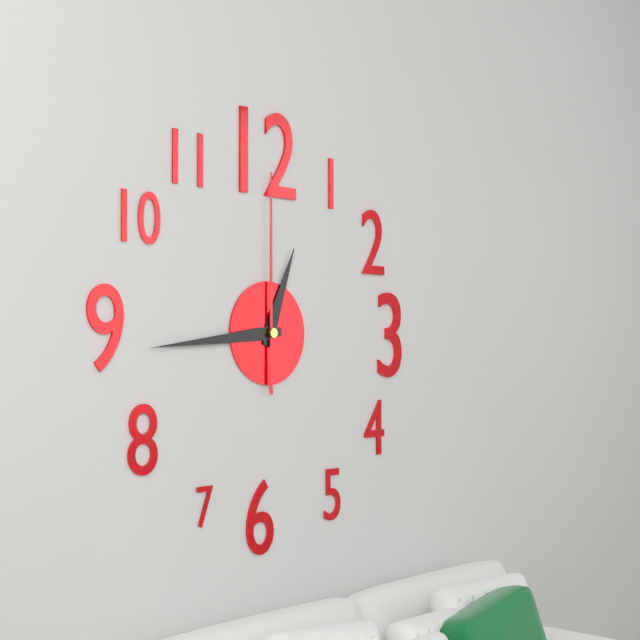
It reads 12:44:00
